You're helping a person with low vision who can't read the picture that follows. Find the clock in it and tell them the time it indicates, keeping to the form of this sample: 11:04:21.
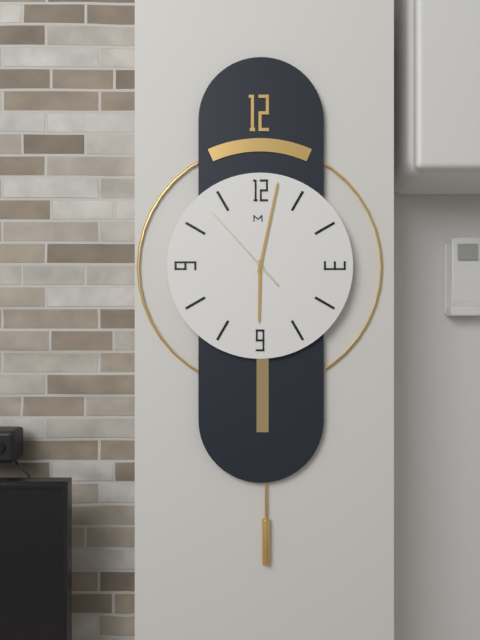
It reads 6:02:53
